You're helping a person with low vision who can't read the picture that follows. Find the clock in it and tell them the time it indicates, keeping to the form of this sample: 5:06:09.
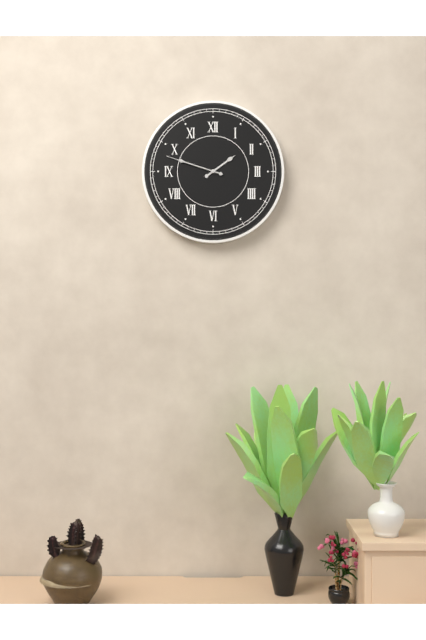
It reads 1:48:48
